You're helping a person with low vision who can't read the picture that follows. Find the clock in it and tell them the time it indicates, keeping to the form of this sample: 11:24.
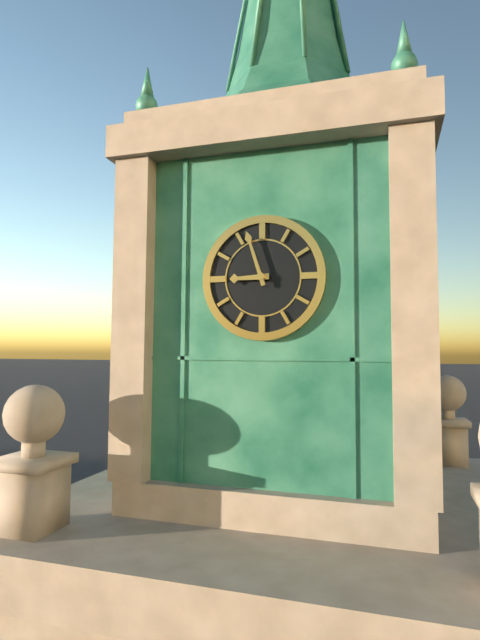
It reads 8:57
